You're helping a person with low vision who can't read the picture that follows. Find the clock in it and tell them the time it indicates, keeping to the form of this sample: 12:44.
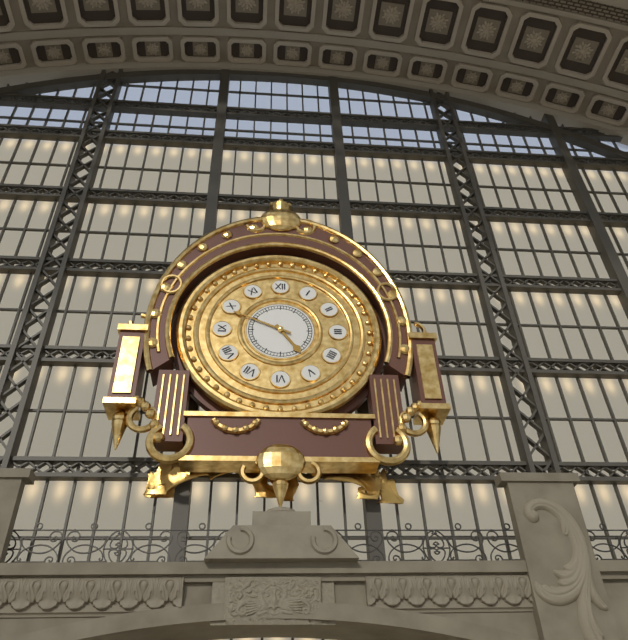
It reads 4:49
